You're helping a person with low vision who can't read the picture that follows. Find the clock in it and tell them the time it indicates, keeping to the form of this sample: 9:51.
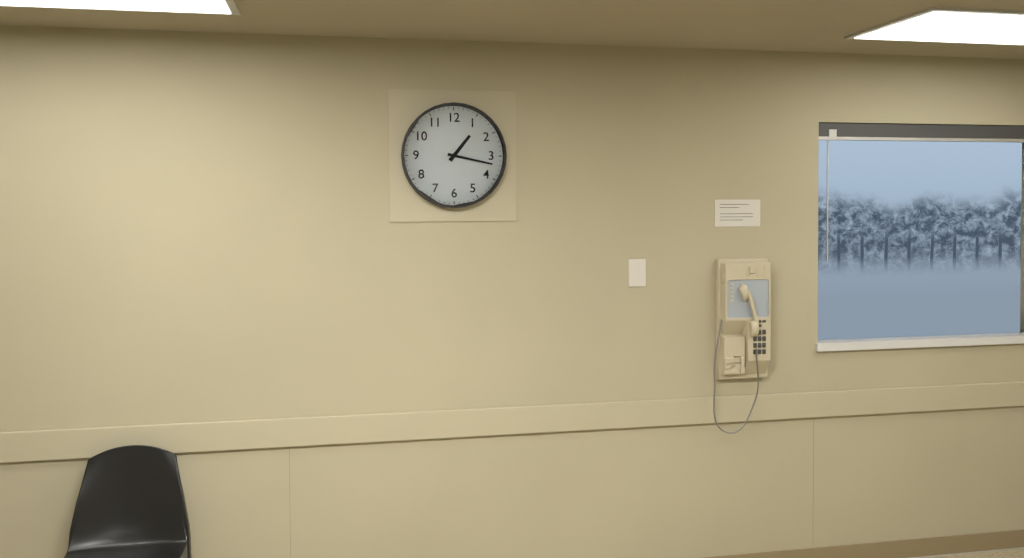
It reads 1:17
